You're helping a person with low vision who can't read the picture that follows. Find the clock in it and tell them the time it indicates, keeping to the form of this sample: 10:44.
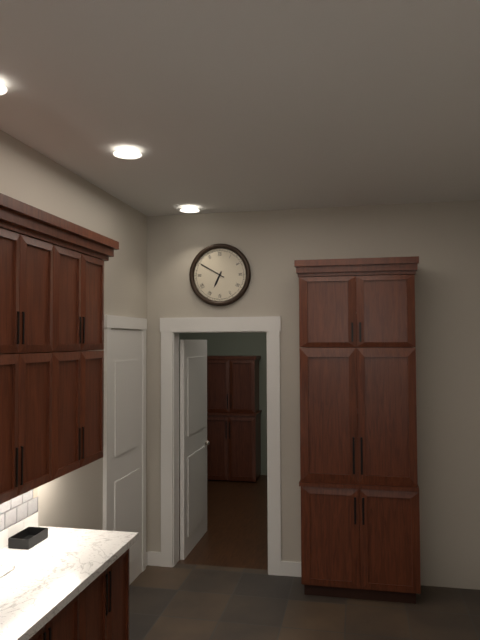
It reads 6:50
